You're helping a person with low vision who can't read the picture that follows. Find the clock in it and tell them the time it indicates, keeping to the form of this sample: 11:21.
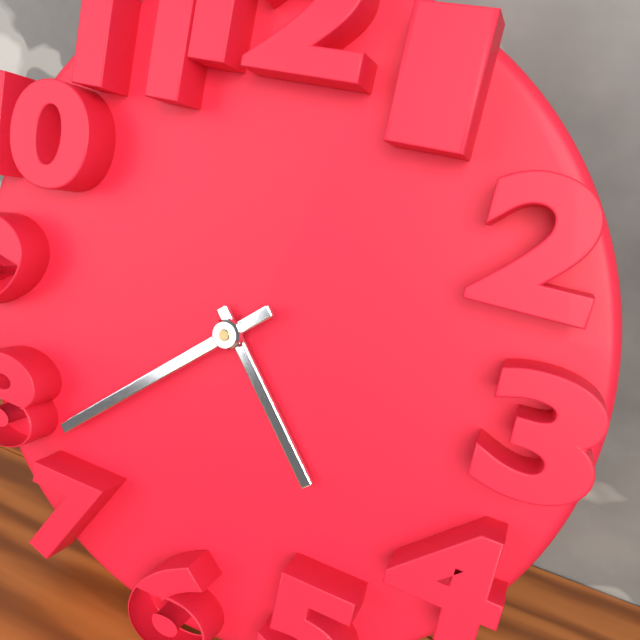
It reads 4:38
